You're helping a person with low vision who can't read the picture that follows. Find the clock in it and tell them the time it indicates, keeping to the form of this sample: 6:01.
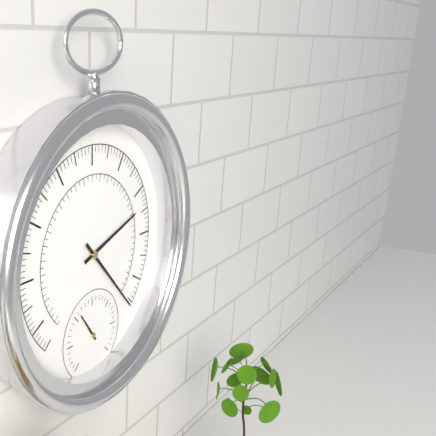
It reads 2:23
